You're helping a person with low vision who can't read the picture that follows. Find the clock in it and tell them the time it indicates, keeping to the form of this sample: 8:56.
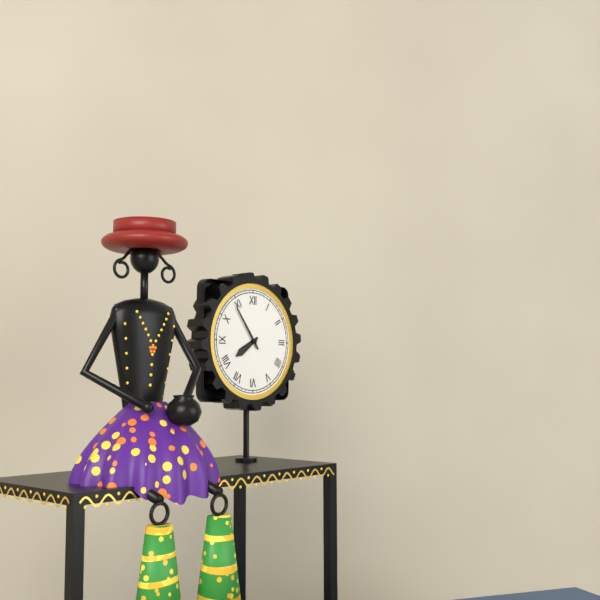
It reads 7:54
